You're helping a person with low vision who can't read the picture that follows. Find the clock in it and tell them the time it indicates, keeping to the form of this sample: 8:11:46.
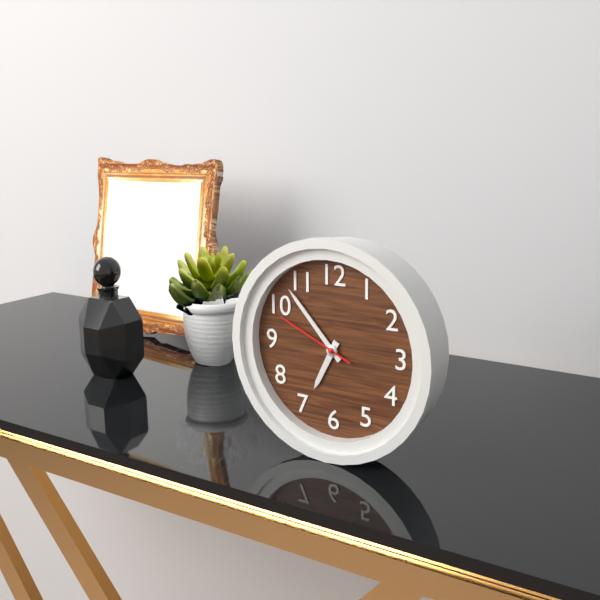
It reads 6:53:49
